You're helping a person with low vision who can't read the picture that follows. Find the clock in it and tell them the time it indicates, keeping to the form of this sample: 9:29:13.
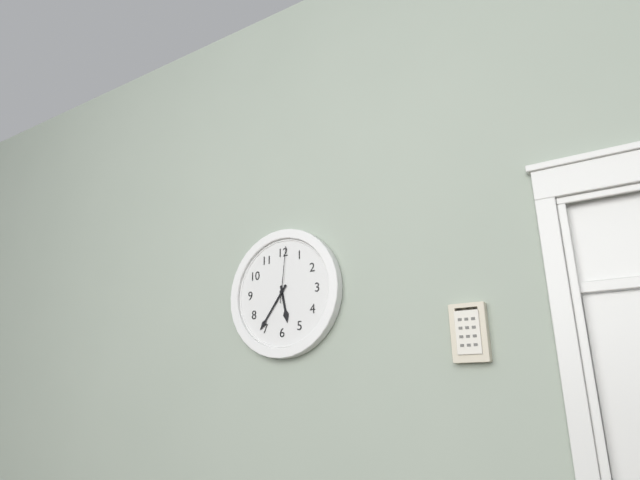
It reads 5:36:01
